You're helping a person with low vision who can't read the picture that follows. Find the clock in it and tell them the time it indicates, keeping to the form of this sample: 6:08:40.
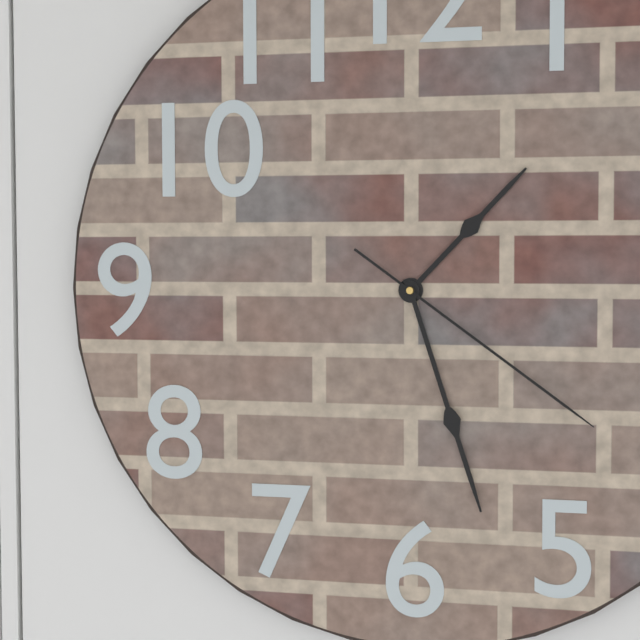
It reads 1:27:21
